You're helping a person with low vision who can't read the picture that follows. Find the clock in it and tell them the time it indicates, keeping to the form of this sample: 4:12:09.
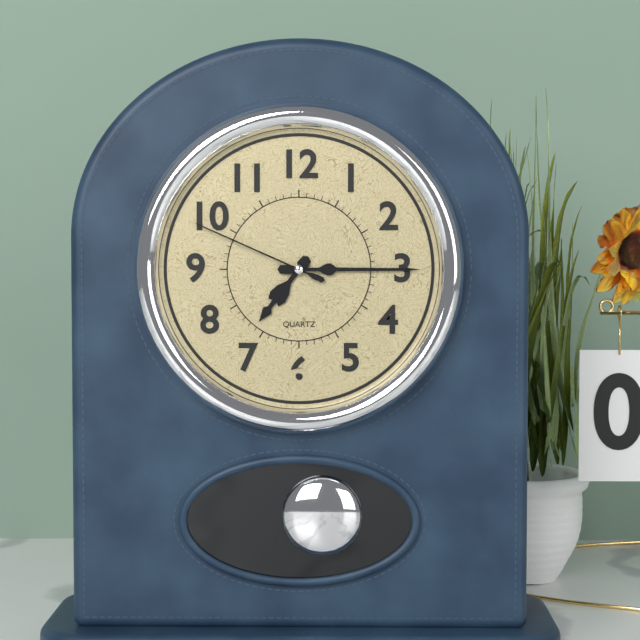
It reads 7:15:49
